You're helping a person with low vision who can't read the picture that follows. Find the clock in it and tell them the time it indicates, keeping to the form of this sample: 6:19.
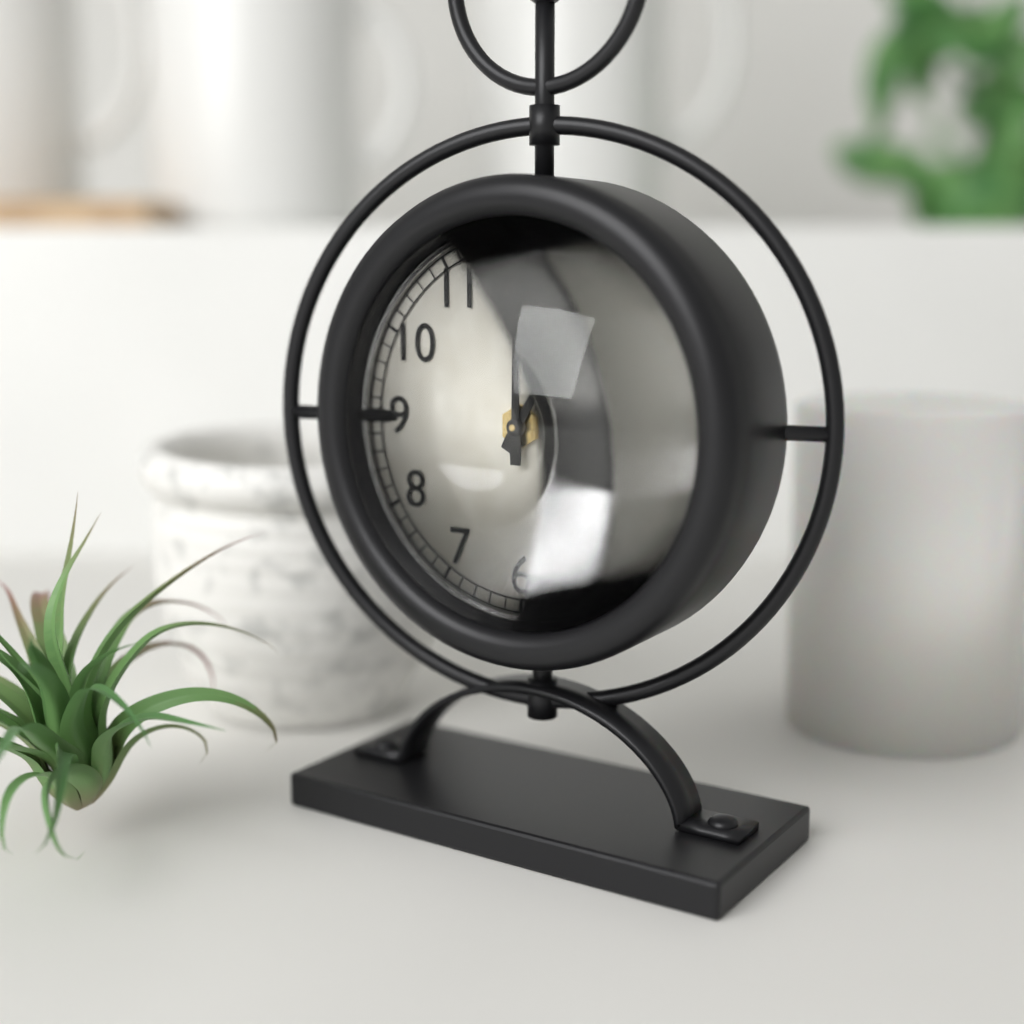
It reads 1:00
